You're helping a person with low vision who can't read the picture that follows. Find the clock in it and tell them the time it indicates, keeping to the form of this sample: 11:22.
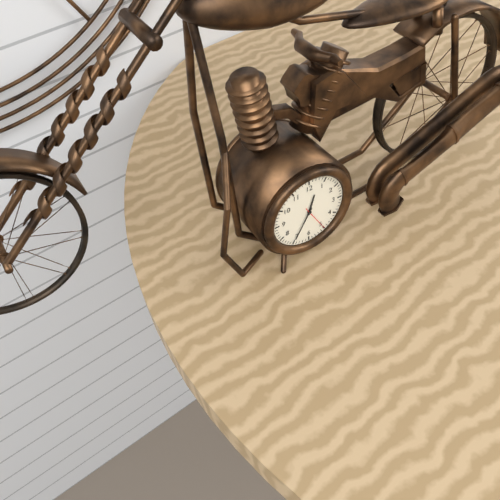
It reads 12:35
